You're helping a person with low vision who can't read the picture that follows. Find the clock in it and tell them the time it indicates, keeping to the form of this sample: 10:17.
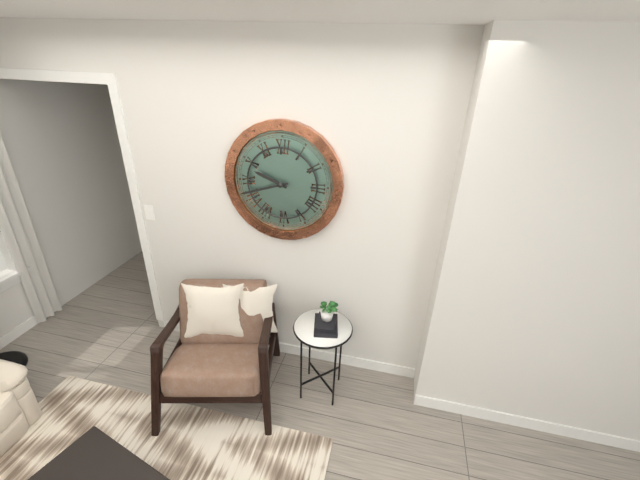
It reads 9:42
